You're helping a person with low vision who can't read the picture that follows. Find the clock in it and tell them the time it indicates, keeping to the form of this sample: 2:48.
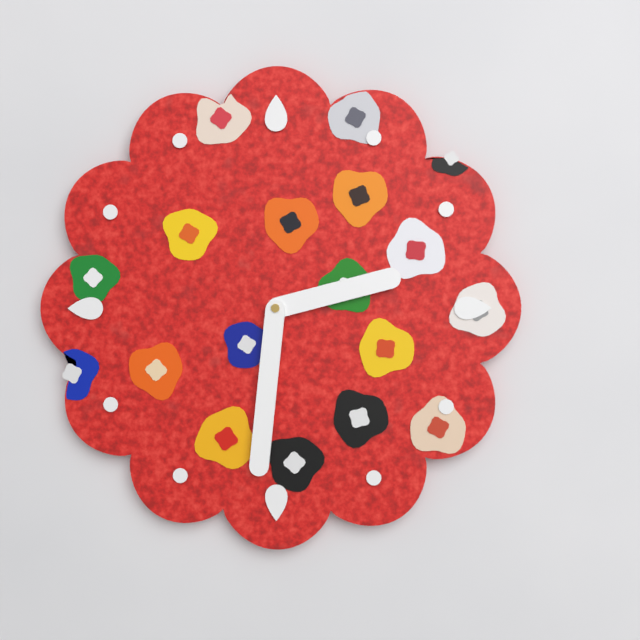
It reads 2:31
